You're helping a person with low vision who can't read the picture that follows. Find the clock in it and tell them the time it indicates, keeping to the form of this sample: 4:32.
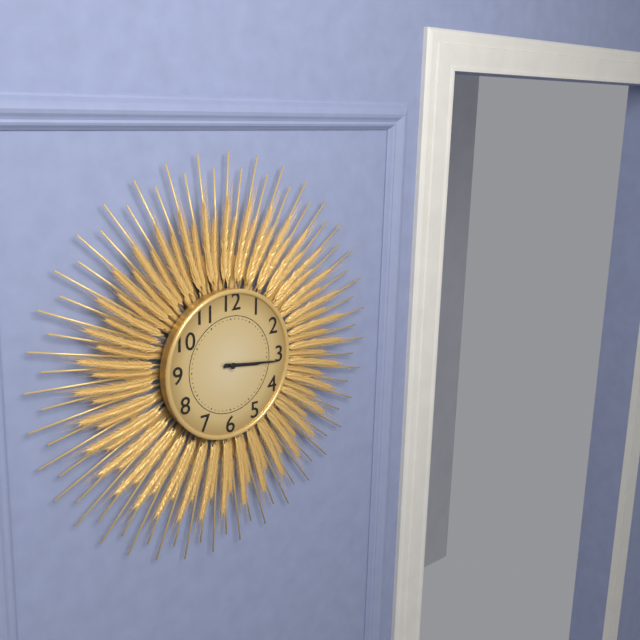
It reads 3:16
